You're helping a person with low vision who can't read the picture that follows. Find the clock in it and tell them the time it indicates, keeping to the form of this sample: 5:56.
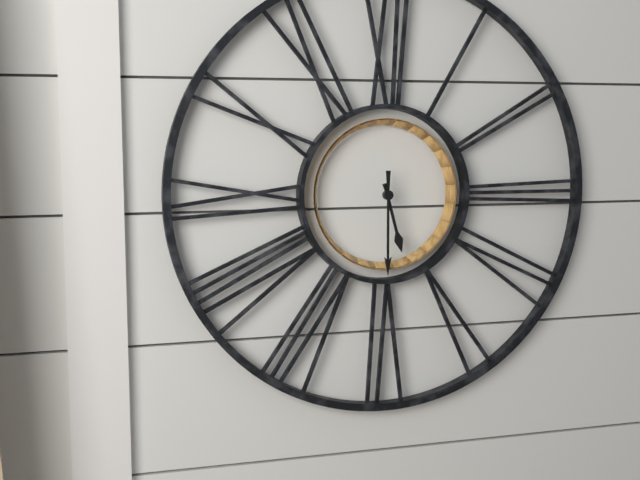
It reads 5:30
